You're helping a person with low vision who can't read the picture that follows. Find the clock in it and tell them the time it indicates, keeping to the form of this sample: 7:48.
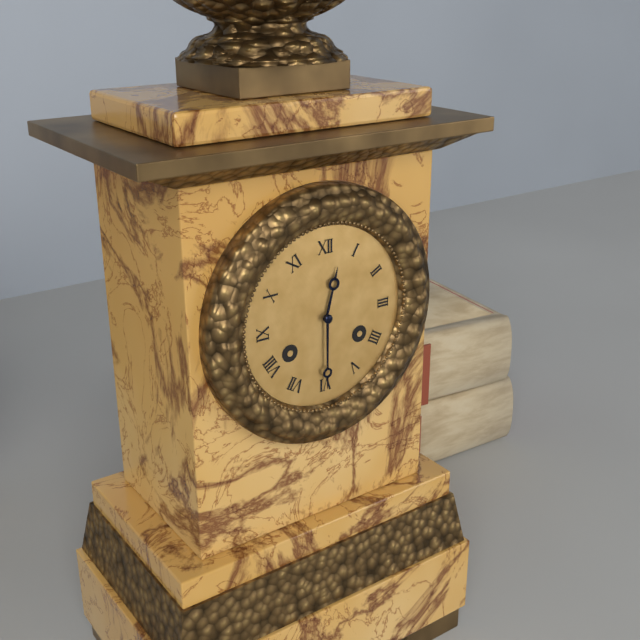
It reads 12:30
